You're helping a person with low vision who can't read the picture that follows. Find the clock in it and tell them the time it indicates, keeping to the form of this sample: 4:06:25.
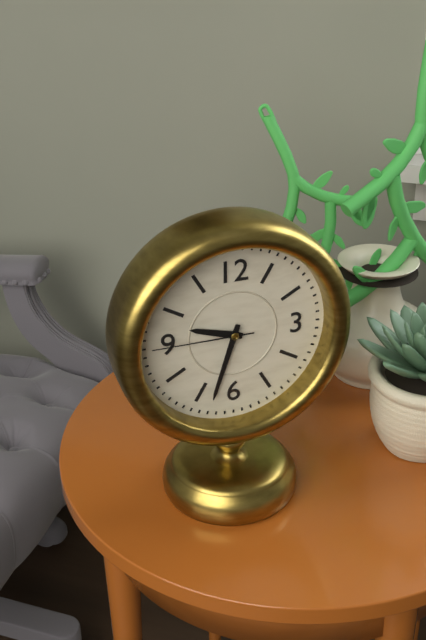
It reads 9:33:45
